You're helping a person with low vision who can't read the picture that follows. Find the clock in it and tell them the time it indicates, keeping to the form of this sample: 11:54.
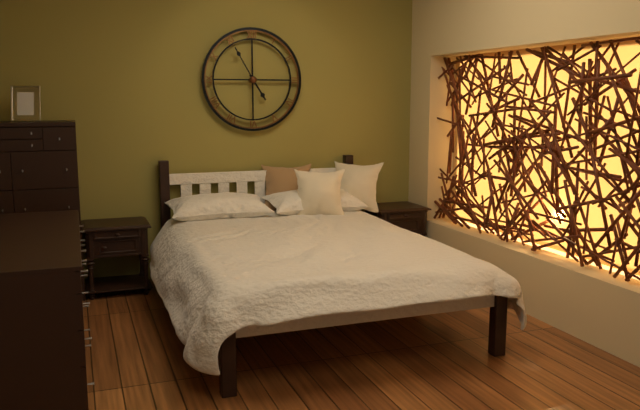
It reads 4:55
